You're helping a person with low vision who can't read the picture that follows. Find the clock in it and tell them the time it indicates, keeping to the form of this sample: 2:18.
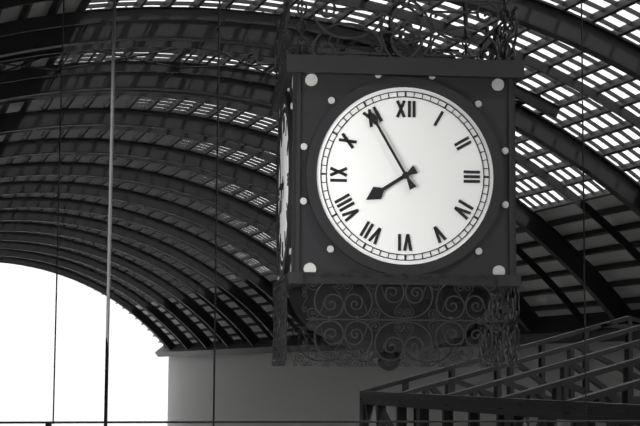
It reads 7:55
